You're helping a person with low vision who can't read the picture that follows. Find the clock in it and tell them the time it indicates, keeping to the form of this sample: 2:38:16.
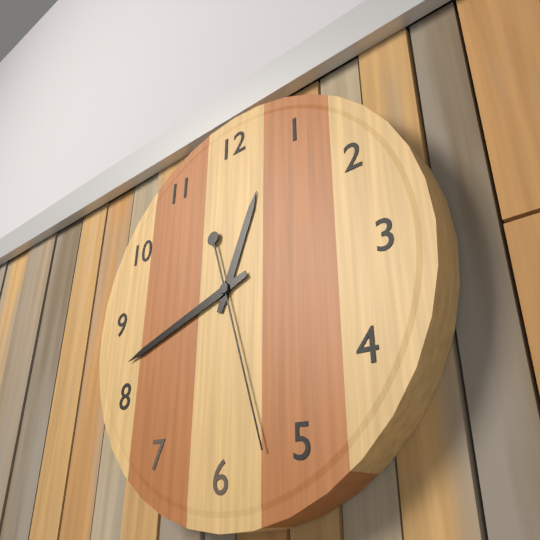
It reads 12:42:27
